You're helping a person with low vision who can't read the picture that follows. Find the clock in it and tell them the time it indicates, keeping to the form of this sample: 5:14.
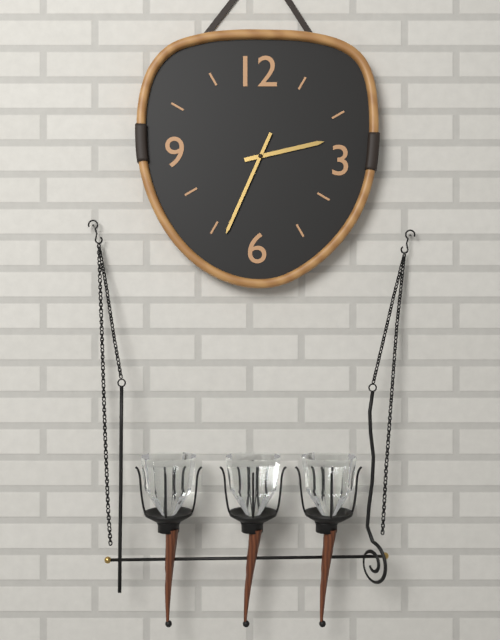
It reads 2:34
